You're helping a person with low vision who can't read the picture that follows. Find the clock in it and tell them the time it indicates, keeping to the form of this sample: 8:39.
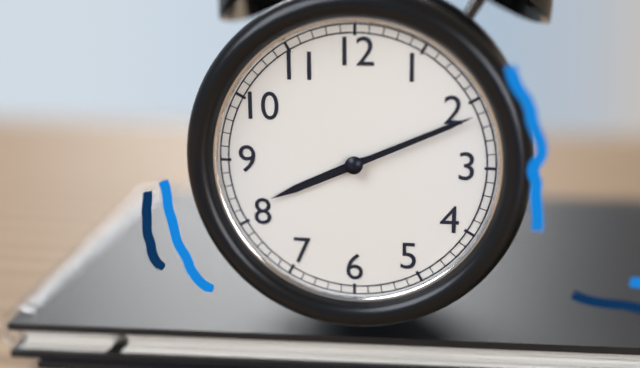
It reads 8:11
